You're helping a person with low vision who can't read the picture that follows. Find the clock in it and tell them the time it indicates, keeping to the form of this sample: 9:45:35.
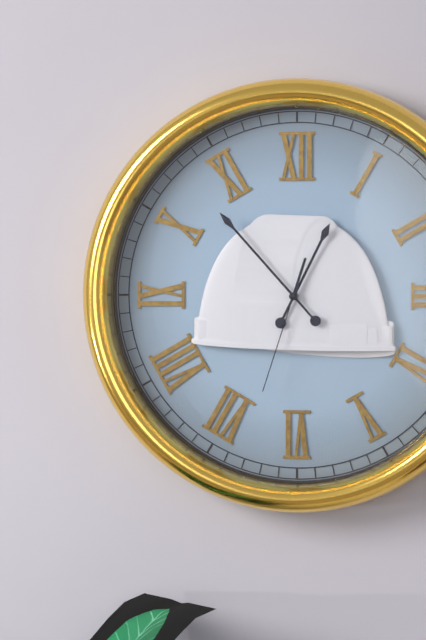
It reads 12:53:33
